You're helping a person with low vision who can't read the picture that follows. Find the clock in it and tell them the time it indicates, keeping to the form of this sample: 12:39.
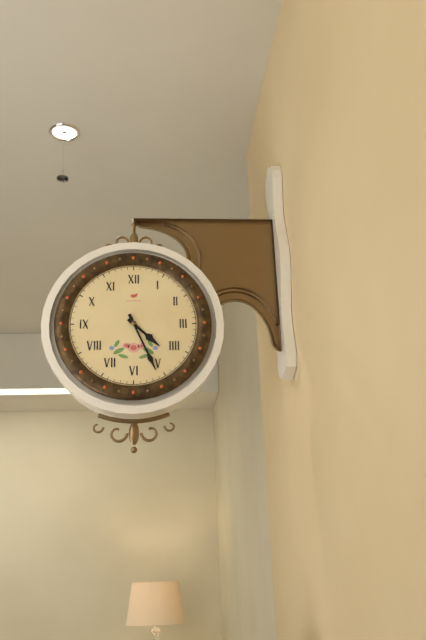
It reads 4:26
